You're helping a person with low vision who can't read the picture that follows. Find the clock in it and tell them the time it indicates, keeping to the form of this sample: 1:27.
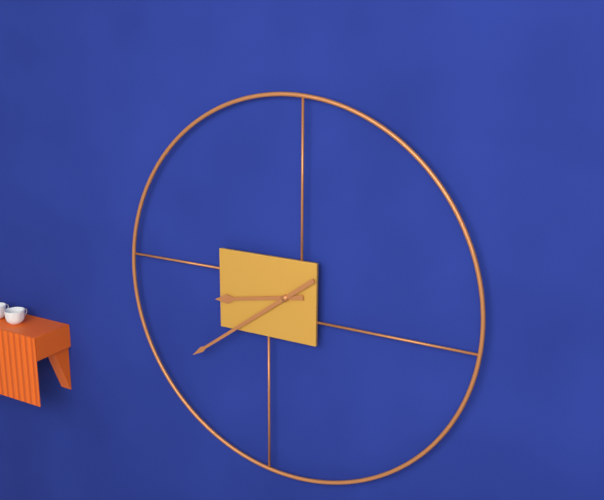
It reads 8:39
